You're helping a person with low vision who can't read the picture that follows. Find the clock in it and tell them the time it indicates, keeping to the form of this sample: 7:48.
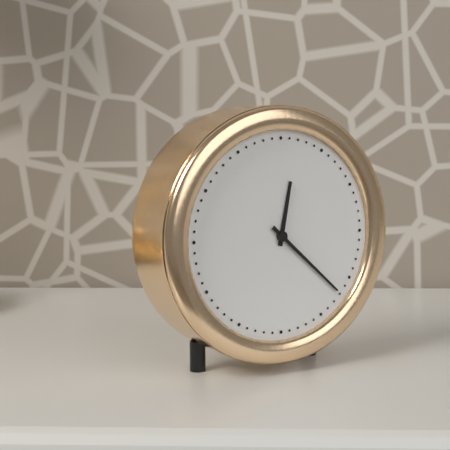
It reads 12:22
